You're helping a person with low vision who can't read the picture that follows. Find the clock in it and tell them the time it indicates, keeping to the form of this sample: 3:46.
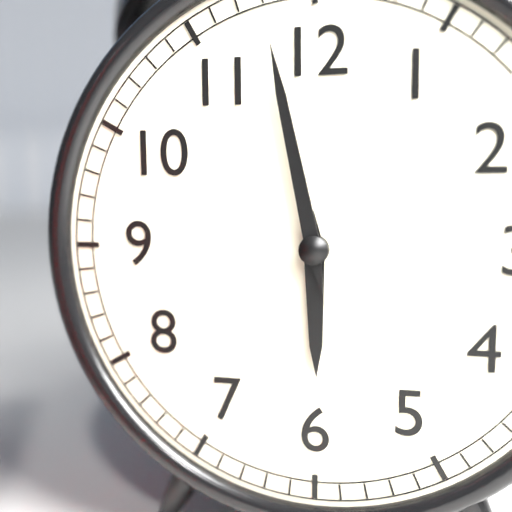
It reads 5:58
